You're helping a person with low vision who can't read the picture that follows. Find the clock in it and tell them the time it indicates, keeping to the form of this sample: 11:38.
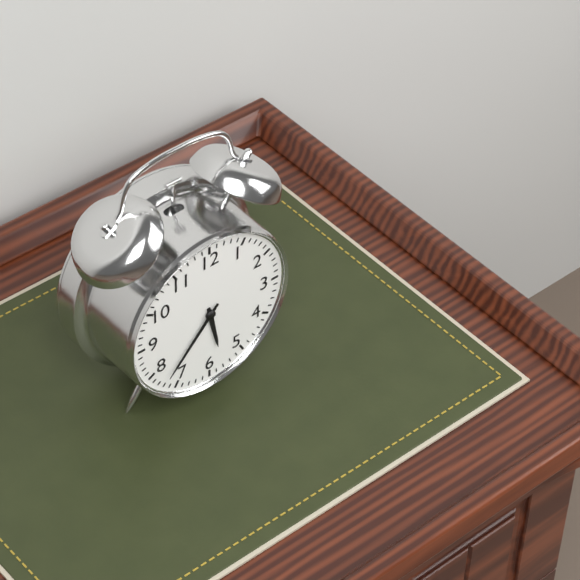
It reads 5:37
